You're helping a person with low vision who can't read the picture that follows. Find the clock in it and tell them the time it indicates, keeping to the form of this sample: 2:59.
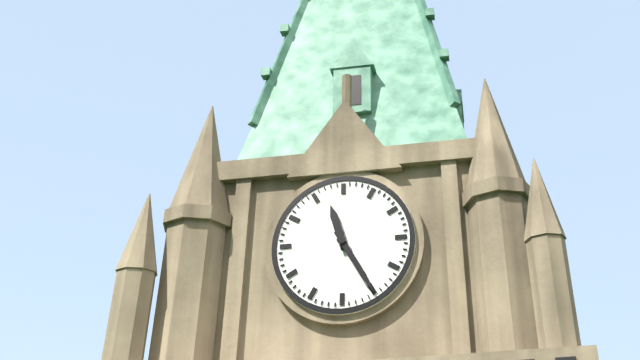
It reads 11:25
